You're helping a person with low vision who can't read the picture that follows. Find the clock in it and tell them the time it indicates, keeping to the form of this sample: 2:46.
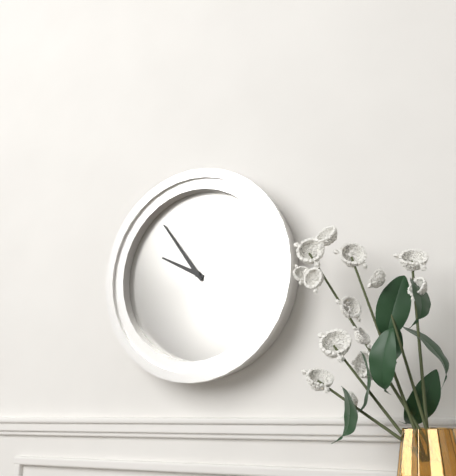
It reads 9:54
